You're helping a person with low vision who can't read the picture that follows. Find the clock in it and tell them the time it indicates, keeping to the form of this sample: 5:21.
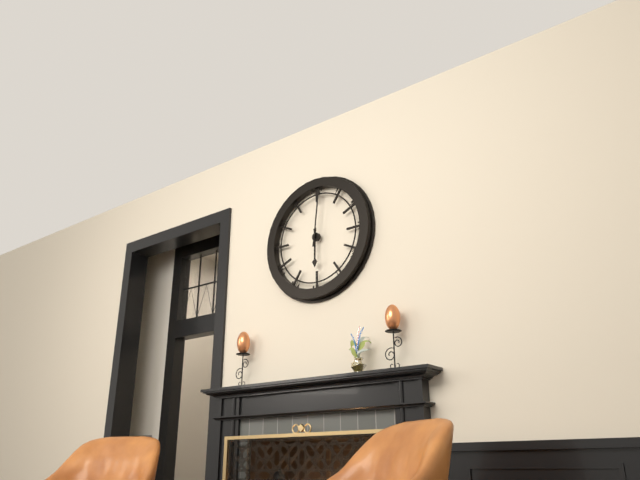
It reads 6:01
